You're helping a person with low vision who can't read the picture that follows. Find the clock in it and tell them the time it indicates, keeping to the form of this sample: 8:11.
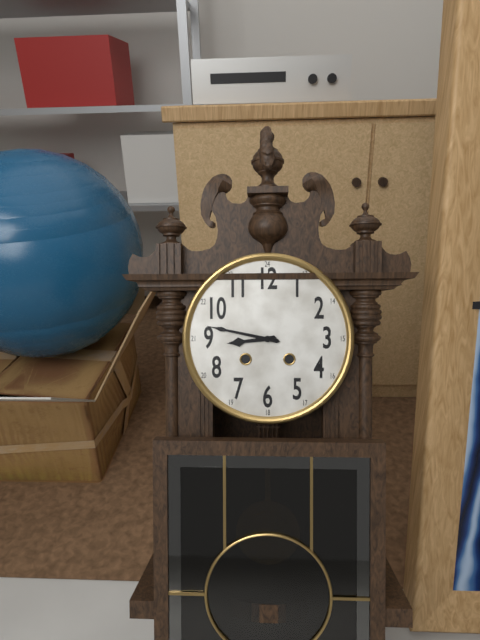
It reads 8:47
